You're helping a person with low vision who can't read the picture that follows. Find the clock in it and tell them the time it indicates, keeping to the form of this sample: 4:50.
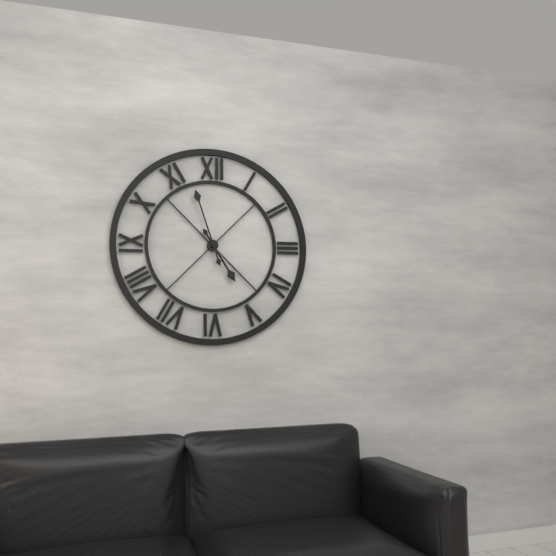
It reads 4:57
